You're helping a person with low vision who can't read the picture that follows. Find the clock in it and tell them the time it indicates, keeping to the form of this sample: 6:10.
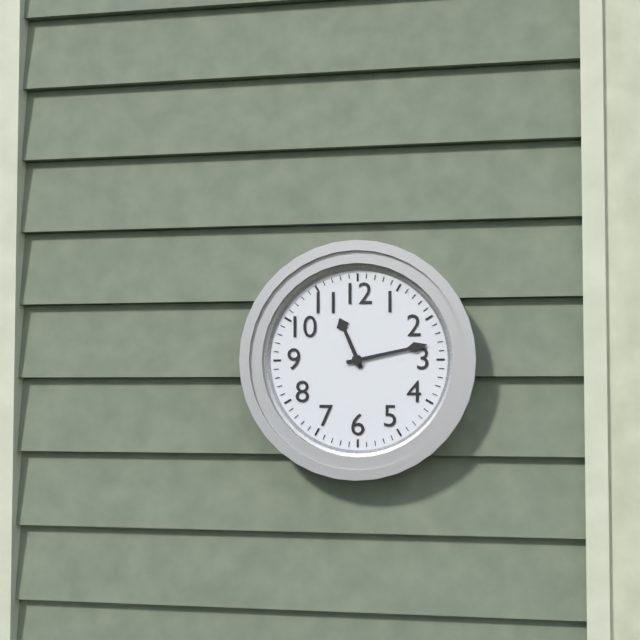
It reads 11:13
